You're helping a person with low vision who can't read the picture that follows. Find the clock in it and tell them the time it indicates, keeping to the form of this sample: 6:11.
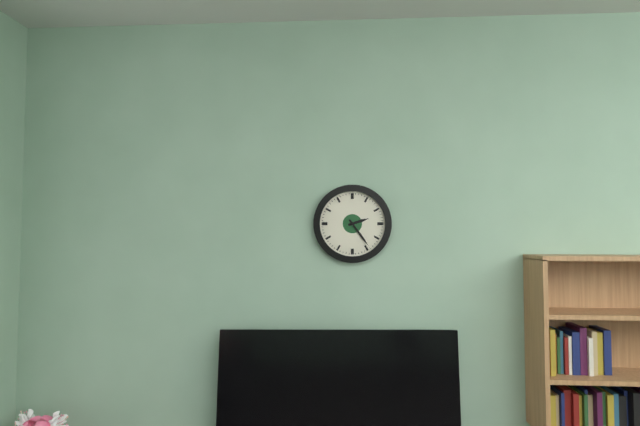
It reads 2:24
